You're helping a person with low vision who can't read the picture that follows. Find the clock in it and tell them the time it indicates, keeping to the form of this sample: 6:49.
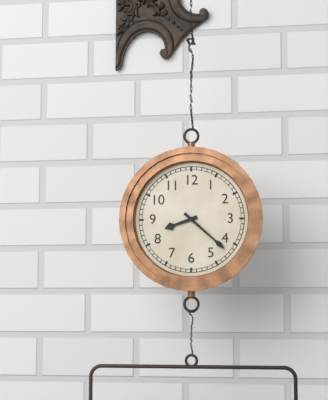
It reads 8:22
